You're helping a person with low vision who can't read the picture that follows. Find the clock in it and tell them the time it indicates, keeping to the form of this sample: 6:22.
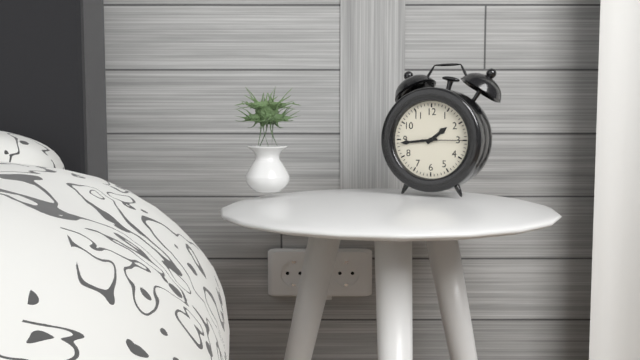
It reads 1:44
